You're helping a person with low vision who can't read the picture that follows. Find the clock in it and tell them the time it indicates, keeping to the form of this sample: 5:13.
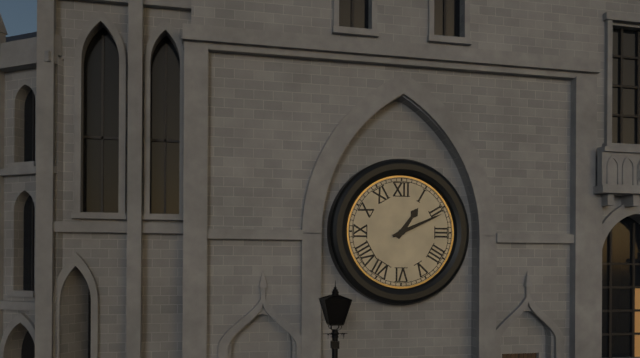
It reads 1:11
